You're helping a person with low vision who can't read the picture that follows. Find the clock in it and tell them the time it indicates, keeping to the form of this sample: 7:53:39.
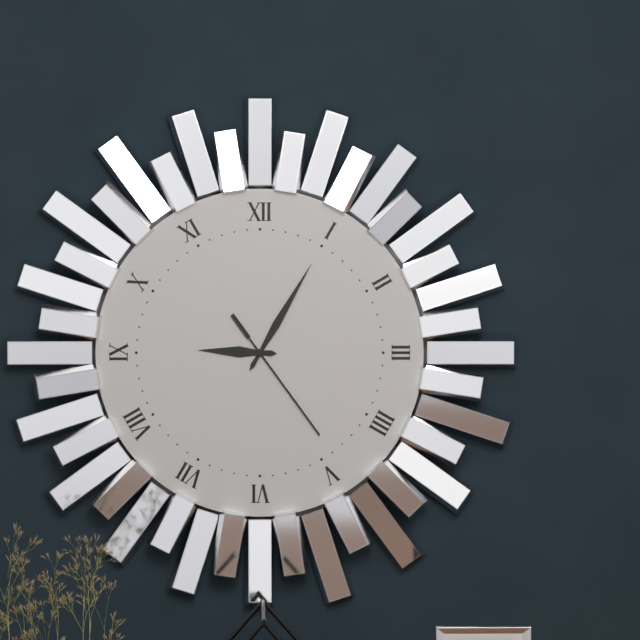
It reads 9:05:24
